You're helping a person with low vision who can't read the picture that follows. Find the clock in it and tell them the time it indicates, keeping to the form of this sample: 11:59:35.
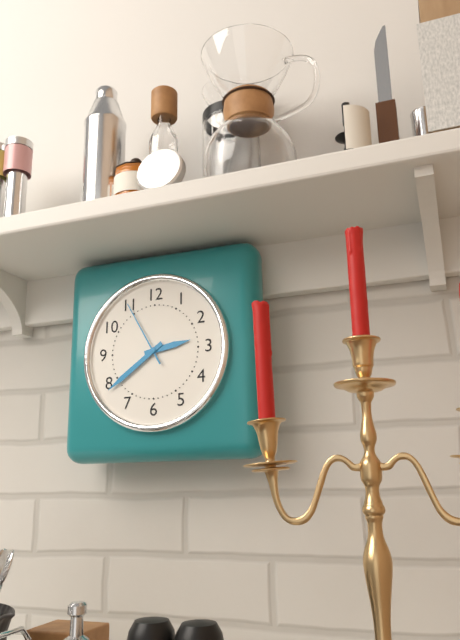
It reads 2:39:55
